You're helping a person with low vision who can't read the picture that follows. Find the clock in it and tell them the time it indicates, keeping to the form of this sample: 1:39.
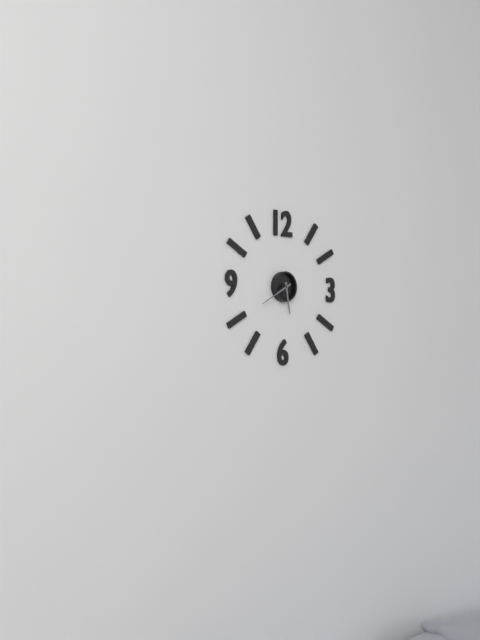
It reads 5:40
